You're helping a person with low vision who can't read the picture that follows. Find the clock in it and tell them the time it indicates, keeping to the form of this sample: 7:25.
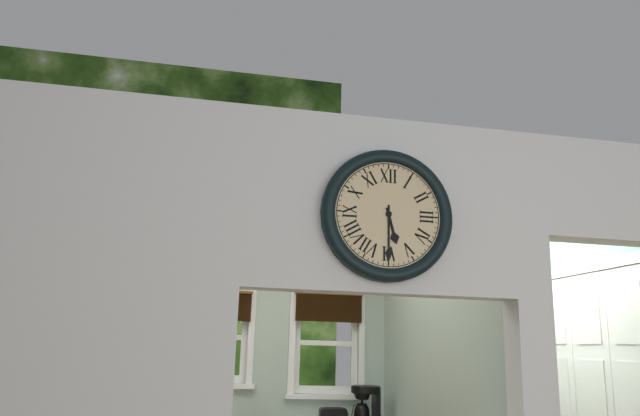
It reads 5:30
